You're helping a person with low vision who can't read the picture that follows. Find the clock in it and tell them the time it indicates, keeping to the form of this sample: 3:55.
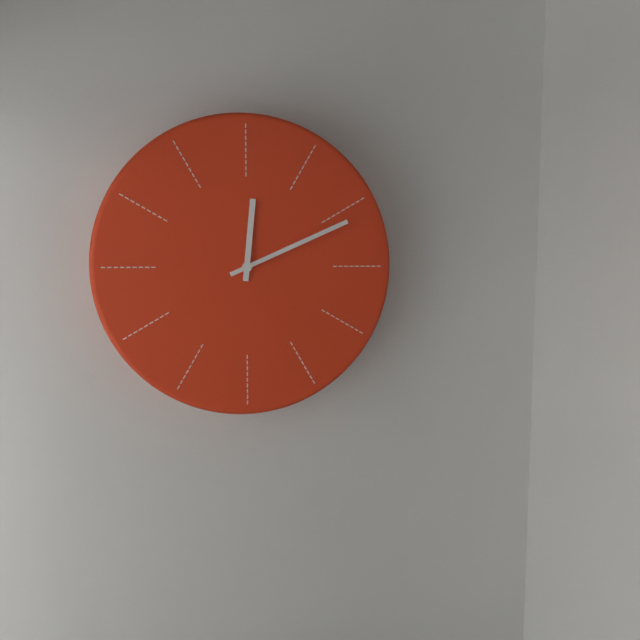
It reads 12:11
